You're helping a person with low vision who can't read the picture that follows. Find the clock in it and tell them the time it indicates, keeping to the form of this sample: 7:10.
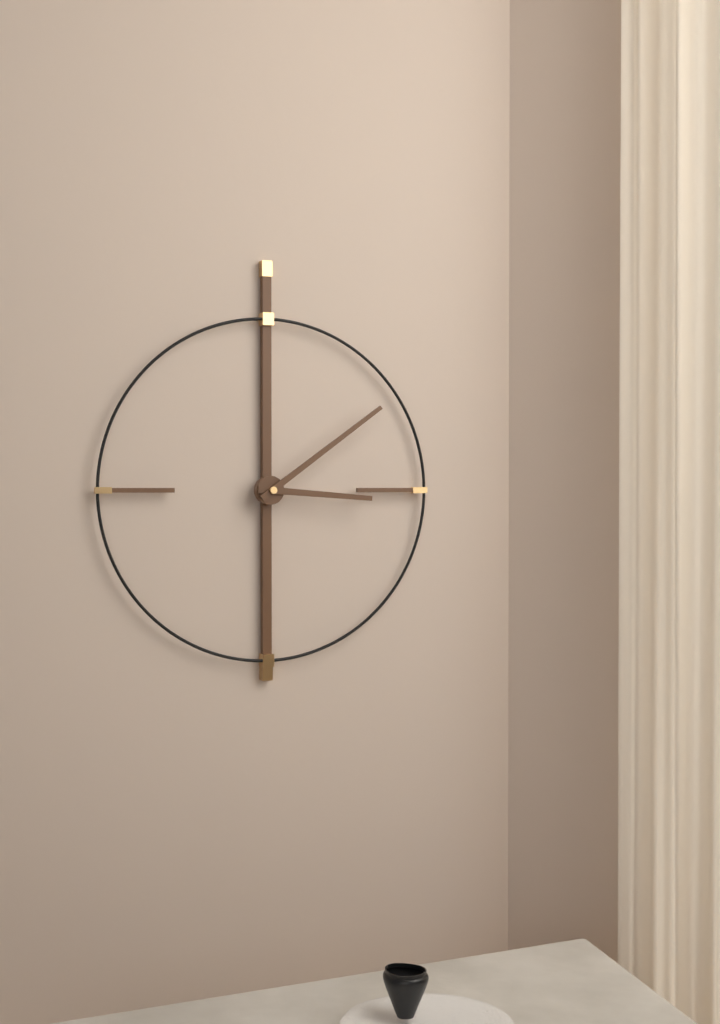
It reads 3:09
